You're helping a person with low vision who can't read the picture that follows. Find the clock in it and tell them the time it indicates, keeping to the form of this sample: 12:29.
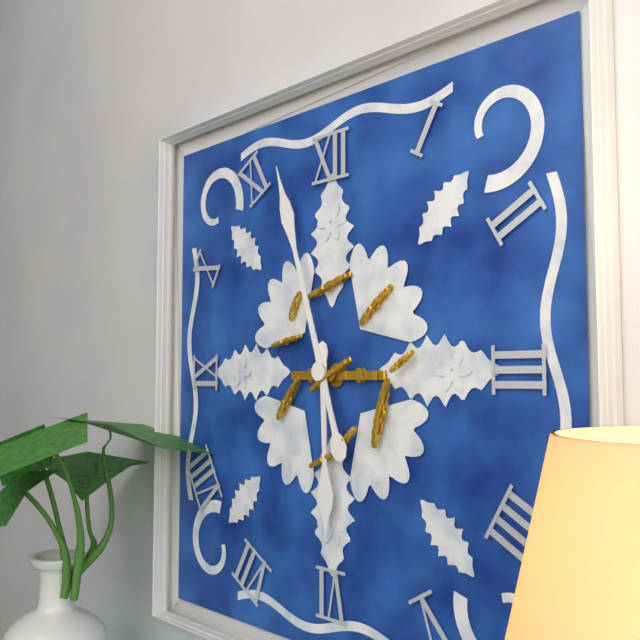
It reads 5:57
